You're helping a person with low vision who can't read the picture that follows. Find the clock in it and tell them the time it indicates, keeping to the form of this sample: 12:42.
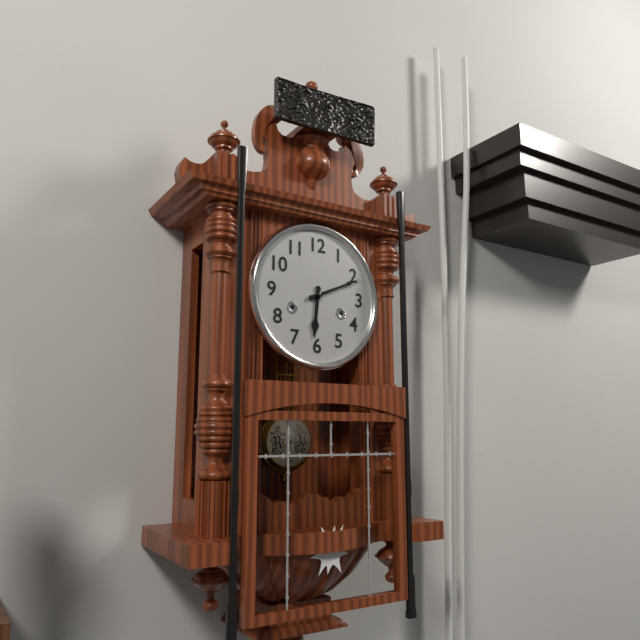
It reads 6:11
